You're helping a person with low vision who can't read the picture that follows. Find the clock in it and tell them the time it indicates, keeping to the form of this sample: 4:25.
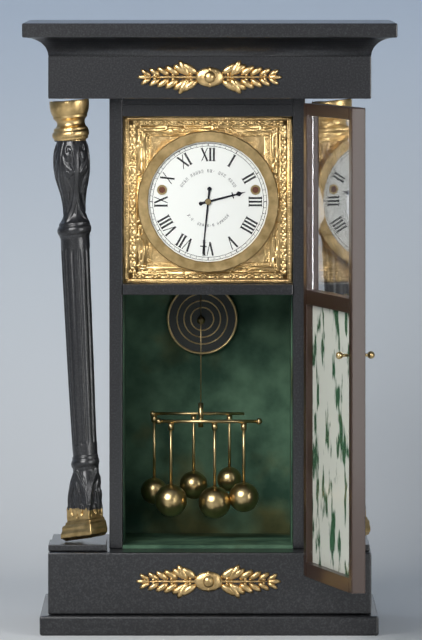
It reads 2:31
